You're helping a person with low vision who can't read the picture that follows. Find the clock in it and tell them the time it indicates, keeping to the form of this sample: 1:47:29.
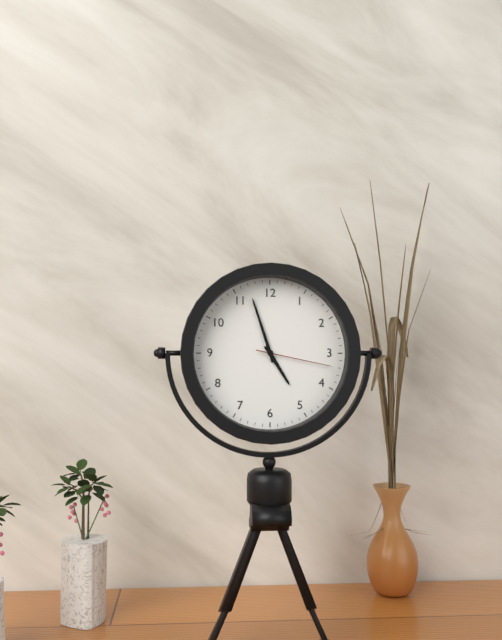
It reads 4:57:17
